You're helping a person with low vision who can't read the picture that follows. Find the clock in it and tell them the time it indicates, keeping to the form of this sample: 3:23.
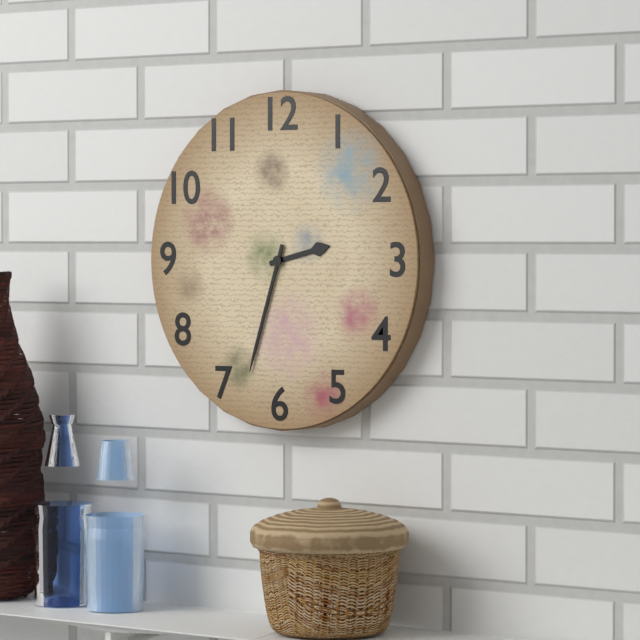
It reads 2:33
